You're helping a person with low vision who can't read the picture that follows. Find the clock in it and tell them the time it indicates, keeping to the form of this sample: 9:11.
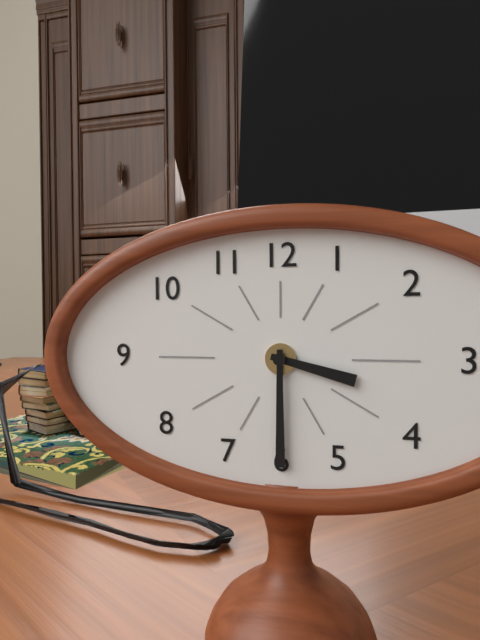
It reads 3:30
